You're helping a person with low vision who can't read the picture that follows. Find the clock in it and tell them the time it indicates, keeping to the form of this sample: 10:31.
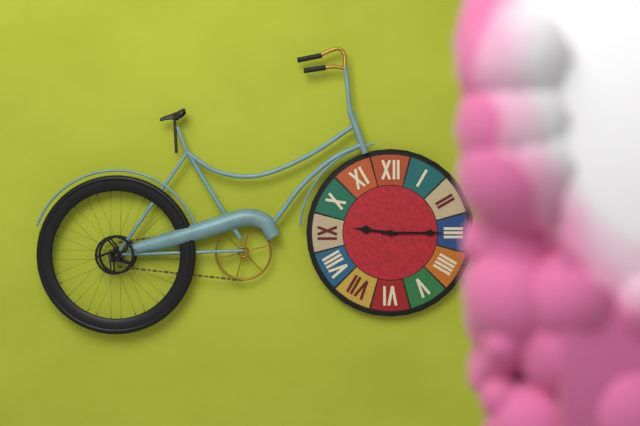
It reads 9:15
